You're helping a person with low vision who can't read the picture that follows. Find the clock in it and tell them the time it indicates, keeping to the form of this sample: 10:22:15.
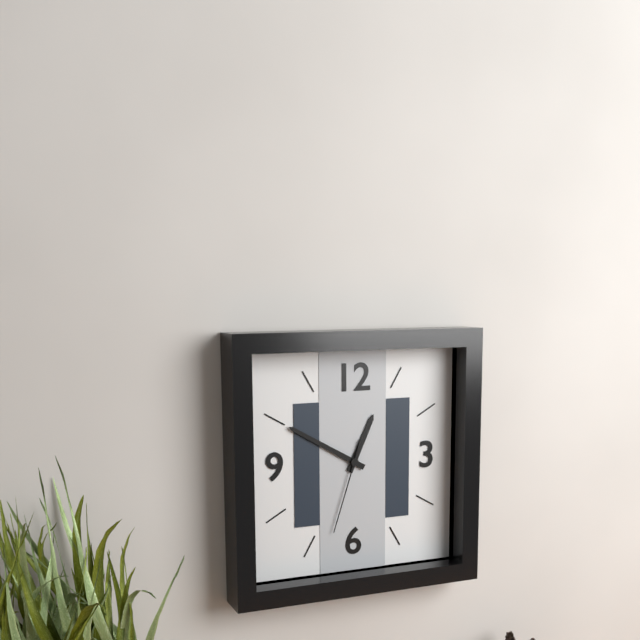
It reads 12:50:33
